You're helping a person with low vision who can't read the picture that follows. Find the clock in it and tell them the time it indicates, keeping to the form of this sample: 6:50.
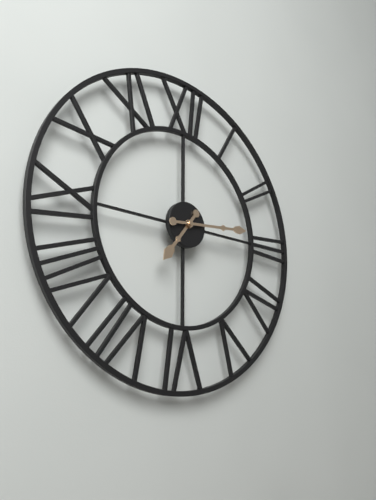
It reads 7:14
